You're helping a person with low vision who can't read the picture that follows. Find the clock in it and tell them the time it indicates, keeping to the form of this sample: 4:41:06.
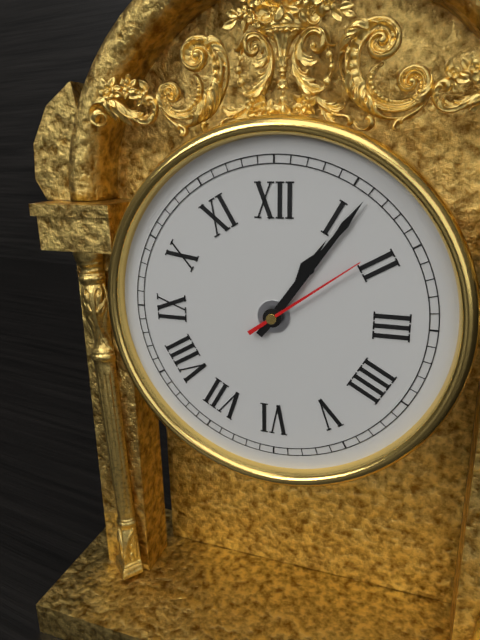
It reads 1:06:09
